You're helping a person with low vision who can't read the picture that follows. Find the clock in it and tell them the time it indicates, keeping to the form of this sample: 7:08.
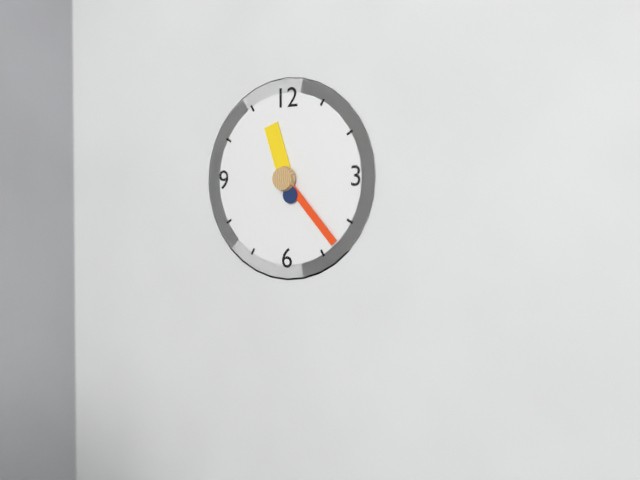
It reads 11:23
